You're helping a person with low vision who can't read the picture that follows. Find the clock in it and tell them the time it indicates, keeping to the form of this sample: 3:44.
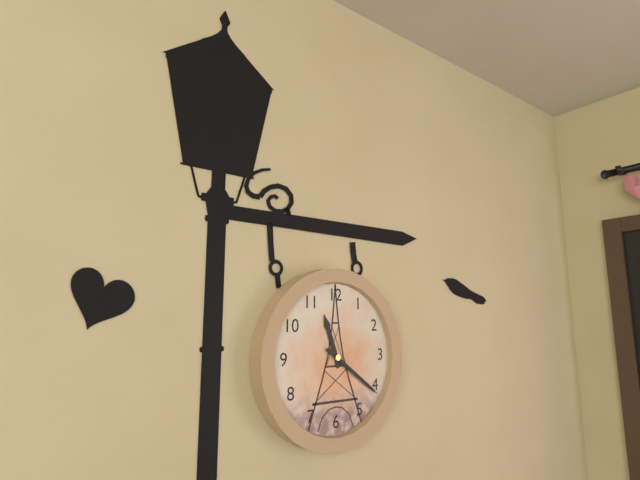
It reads 11:21
